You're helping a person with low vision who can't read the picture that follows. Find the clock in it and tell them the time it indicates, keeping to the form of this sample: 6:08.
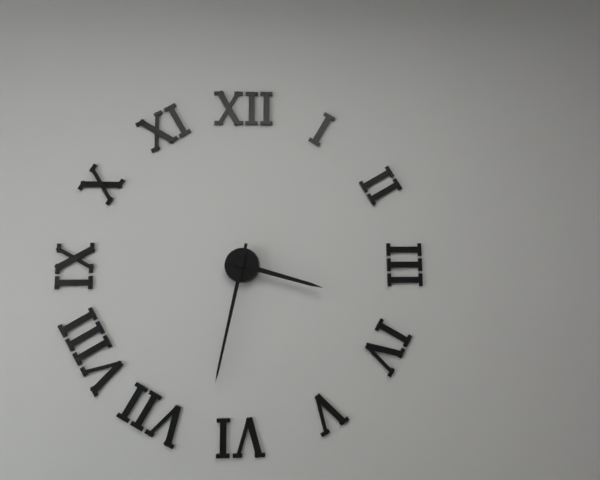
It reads 3:32
